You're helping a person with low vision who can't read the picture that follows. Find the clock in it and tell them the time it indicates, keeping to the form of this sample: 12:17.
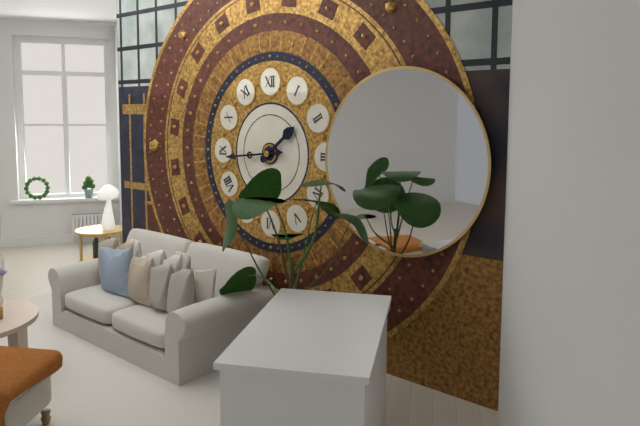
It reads 1:44
